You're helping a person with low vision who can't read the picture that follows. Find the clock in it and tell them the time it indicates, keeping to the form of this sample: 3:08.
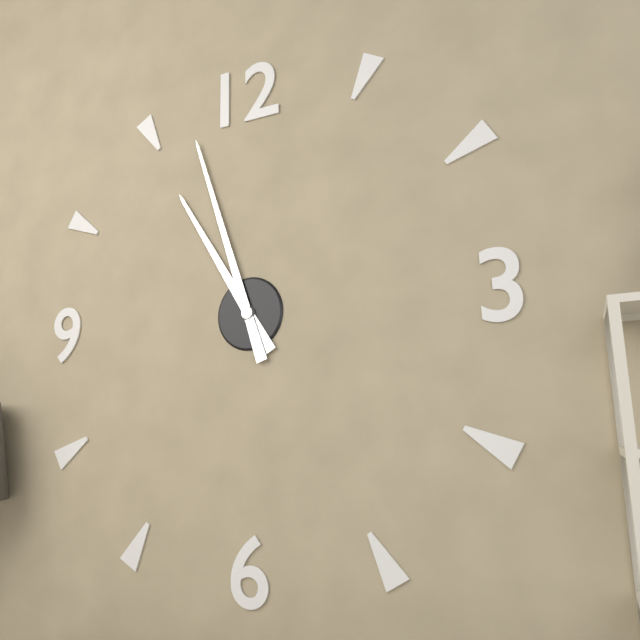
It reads 10:57
